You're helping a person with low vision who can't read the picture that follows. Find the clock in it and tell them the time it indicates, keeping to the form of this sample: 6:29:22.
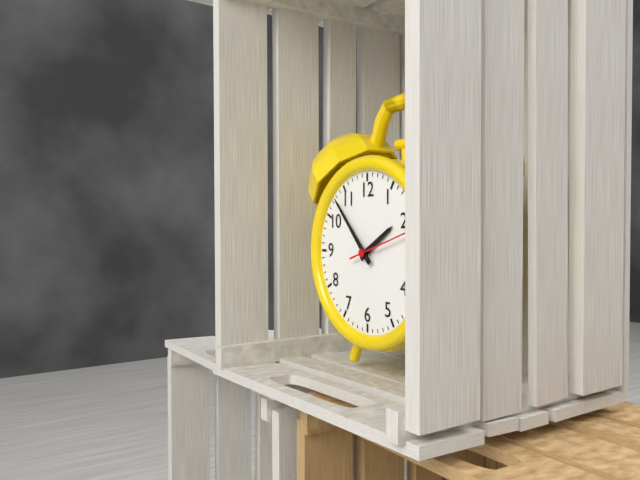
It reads 1:53:12
